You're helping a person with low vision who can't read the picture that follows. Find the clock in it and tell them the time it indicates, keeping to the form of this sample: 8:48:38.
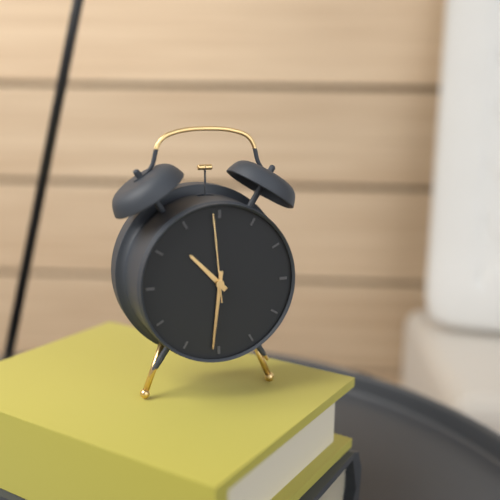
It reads 10:31:59
